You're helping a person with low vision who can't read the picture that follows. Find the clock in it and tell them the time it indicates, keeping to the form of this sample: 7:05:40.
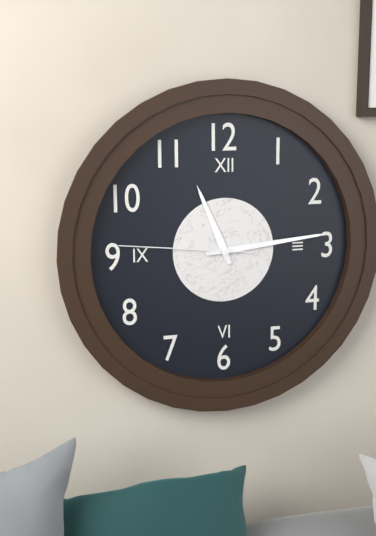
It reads 11:14:46
